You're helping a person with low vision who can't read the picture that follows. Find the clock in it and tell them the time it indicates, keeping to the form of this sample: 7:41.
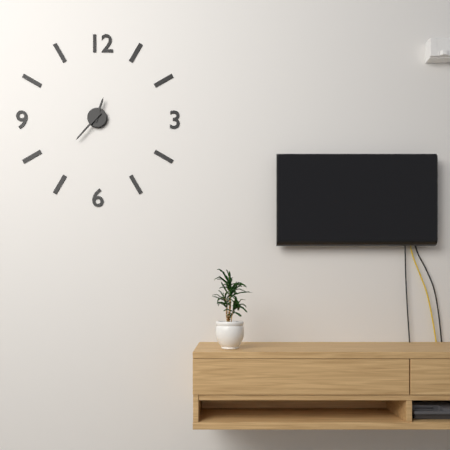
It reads 12:37
